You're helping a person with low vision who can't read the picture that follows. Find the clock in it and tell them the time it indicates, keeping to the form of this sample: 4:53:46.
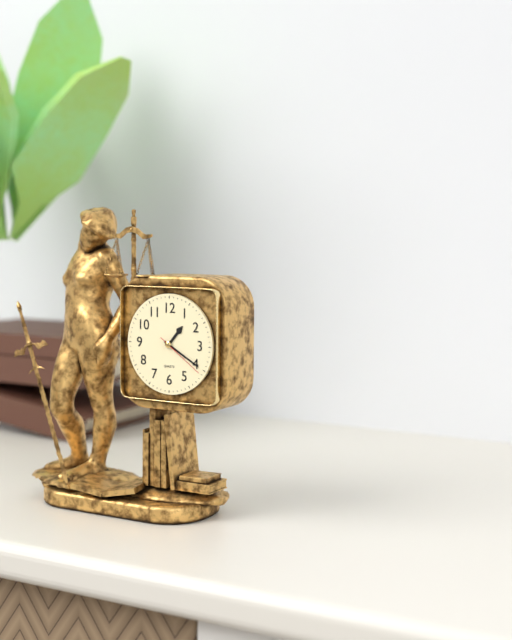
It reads 1:20:21
